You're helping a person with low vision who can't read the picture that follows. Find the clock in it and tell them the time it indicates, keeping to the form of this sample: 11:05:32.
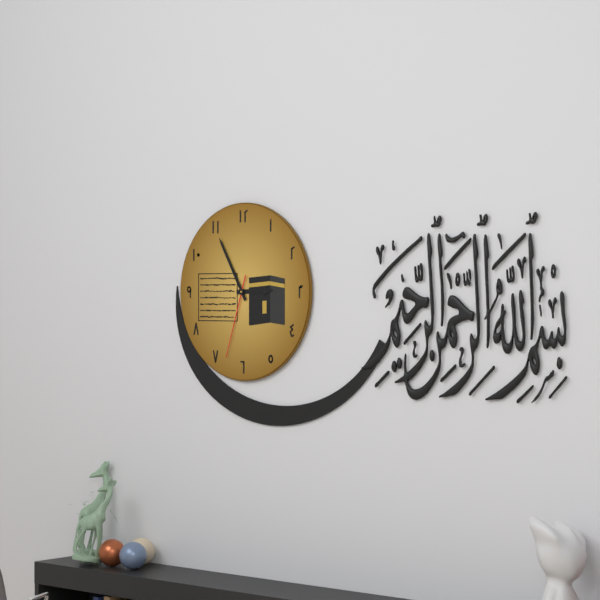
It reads 2:55:33
